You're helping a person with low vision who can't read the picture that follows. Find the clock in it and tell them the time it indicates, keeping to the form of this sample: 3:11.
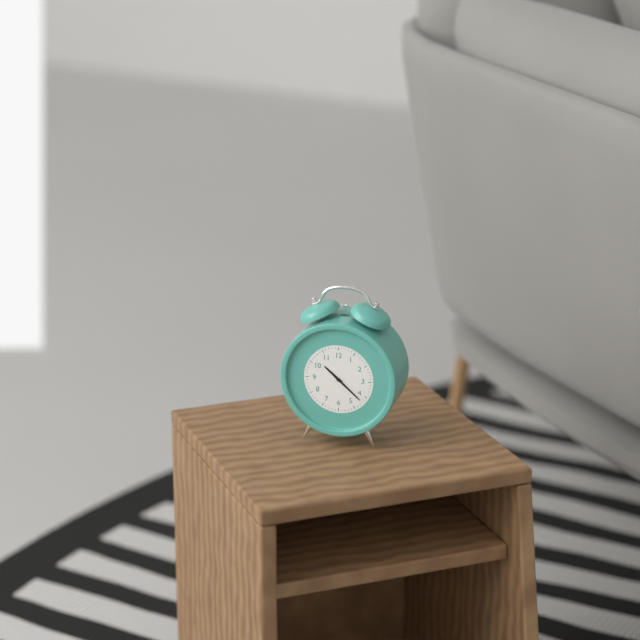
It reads 10:22
